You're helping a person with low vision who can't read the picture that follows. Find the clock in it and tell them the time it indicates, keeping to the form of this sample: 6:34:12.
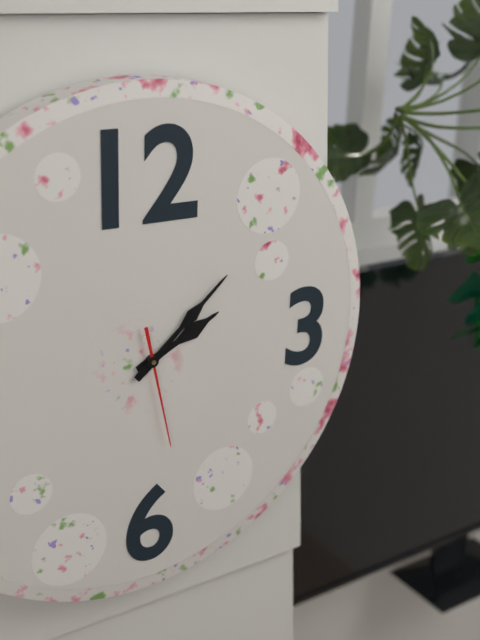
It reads 2:08:28
